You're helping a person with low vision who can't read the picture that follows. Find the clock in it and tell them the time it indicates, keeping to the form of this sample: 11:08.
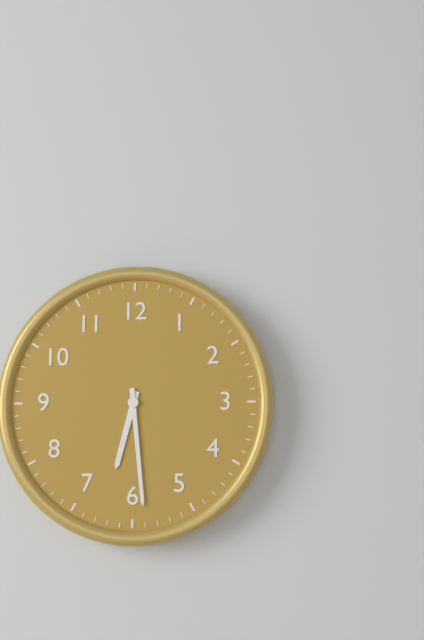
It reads 6:29
